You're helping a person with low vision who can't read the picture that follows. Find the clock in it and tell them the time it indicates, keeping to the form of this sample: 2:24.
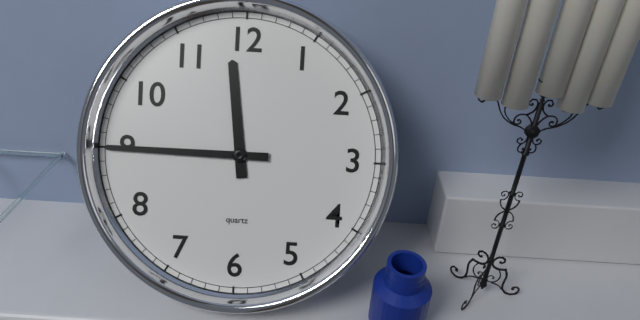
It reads 11:45
